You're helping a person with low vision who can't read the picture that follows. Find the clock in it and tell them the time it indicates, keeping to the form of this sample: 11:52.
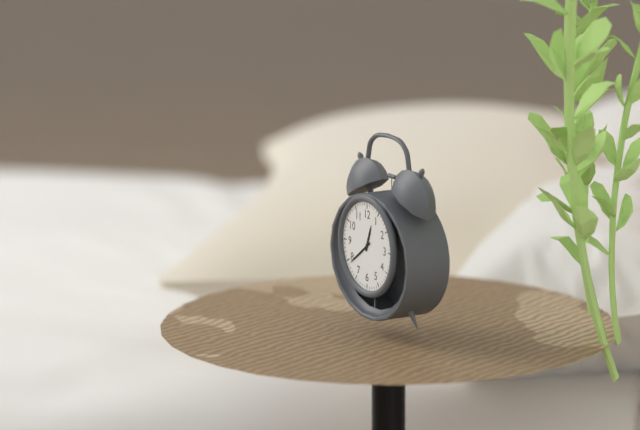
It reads 12:39
